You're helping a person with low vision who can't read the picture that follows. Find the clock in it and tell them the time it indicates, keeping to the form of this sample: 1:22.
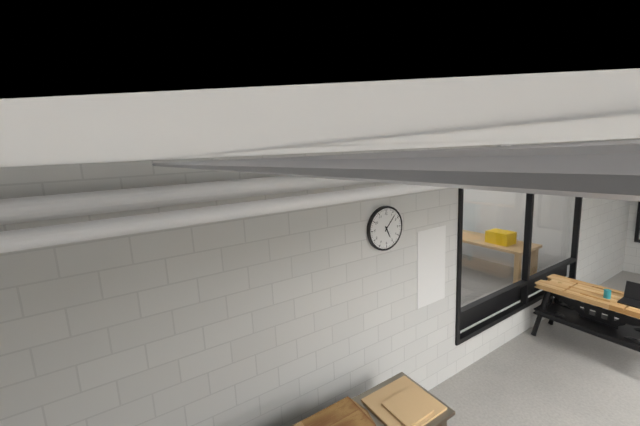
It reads 5:07
